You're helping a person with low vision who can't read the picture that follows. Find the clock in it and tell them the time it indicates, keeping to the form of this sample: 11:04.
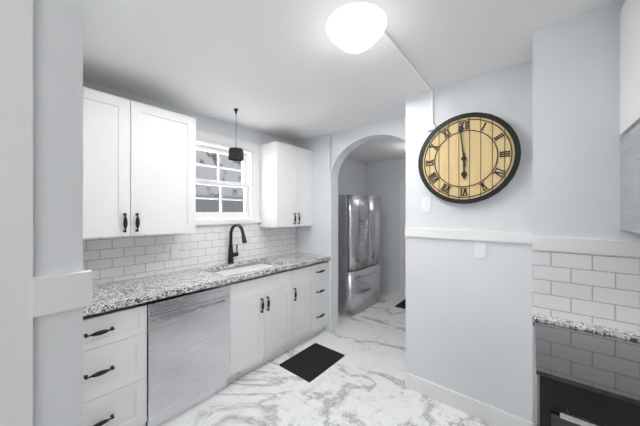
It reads 5:59
